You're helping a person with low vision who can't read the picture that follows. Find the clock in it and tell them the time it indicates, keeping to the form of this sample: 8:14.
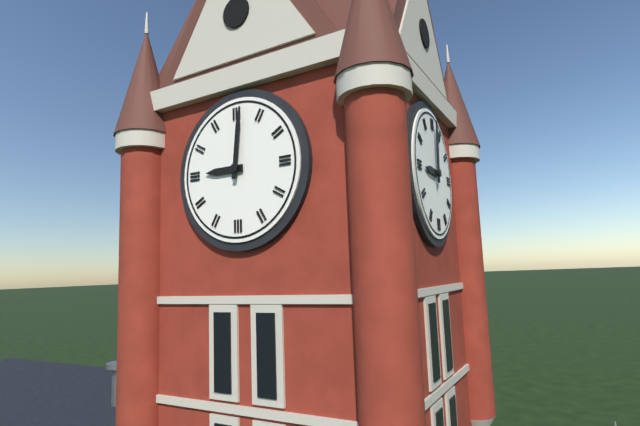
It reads 9:01
